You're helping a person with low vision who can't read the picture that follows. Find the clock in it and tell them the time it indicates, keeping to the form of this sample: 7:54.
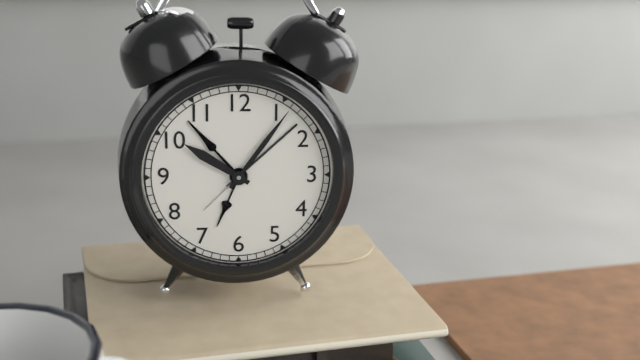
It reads 10:06
